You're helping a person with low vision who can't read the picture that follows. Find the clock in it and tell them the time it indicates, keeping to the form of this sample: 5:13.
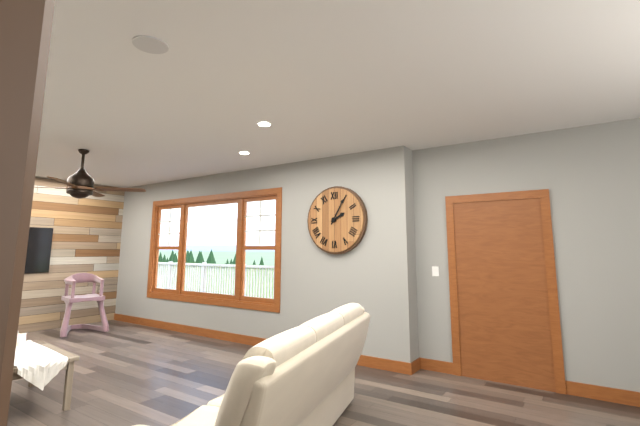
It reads 2:05
